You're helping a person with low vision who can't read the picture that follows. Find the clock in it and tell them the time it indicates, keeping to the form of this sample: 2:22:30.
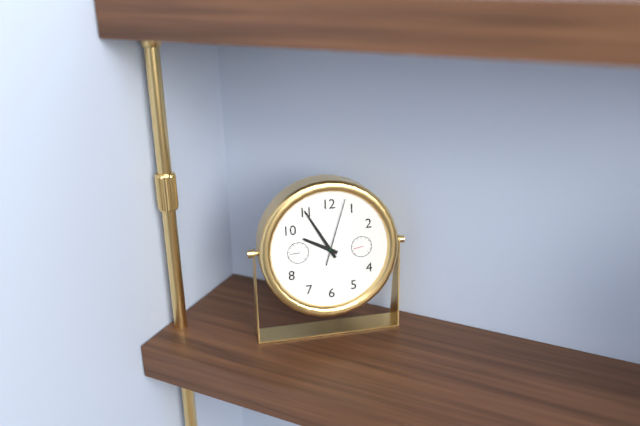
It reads 9:55:03
